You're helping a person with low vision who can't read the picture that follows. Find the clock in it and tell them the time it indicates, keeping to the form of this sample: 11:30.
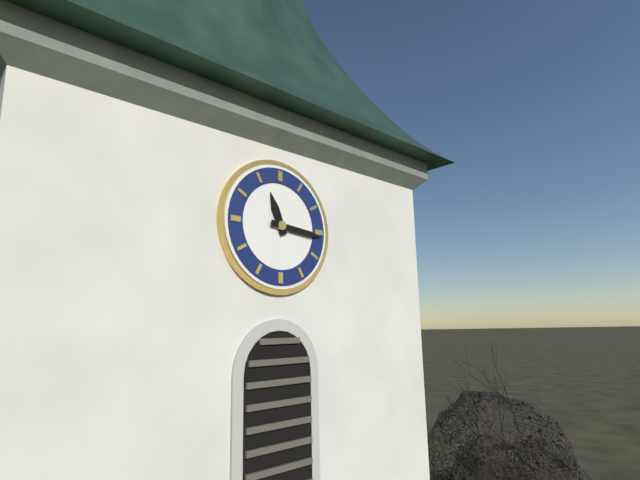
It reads 11:16
